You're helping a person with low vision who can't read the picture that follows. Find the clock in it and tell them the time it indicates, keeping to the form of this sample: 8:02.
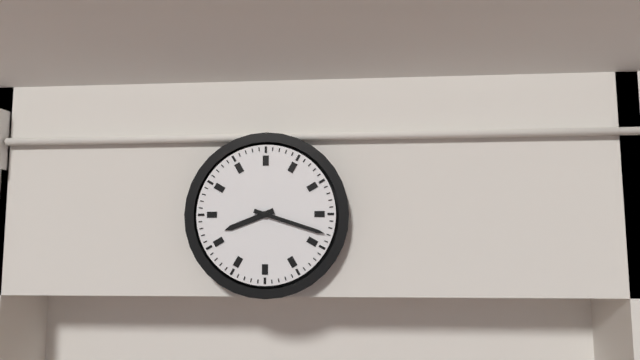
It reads 8:18
